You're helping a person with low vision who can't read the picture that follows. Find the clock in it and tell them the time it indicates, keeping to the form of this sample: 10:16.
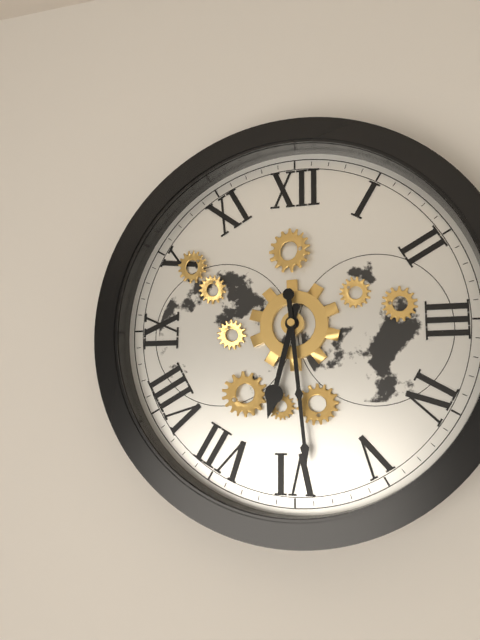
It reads 6:29
